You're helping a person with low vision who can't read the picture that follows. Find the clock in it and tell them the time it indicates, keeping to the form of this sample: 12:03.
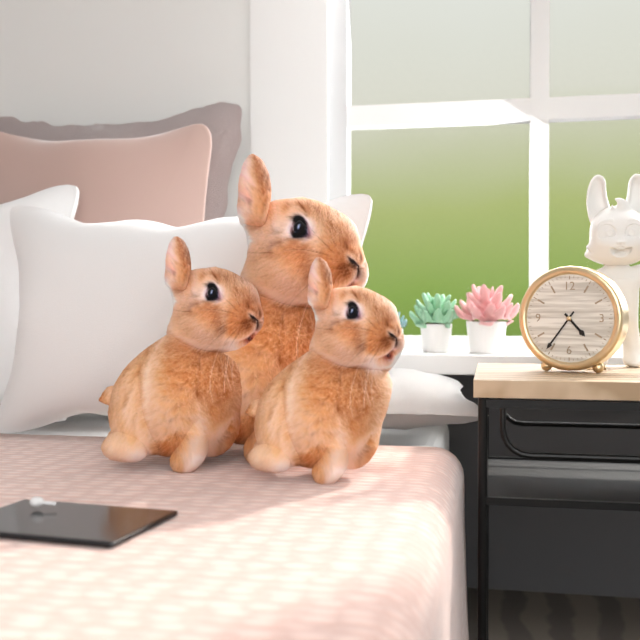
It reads 4:36
